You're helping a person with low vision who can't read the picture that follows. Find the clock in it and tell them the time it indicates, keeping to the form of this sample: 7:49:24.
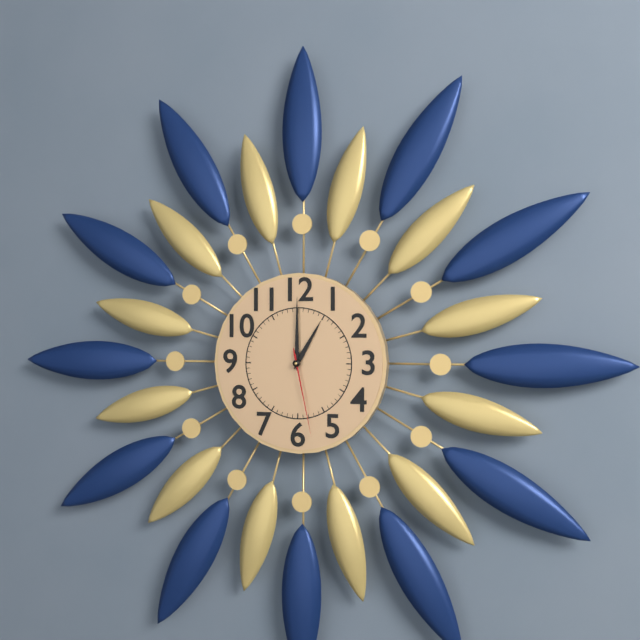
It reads 1:00:28
